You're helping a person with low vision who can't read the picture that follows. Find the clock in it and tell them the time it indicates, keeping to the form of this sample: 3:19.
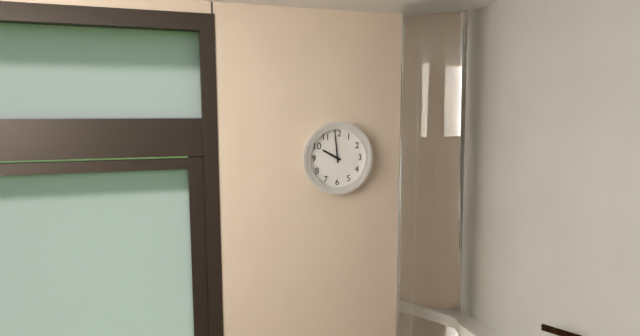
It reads 9:59
